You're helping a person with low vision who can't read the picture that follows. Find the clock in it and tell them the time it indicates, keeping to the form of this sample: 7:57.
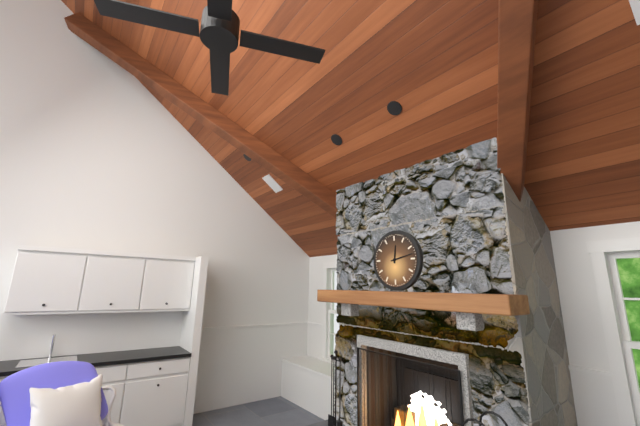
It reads 12:13
